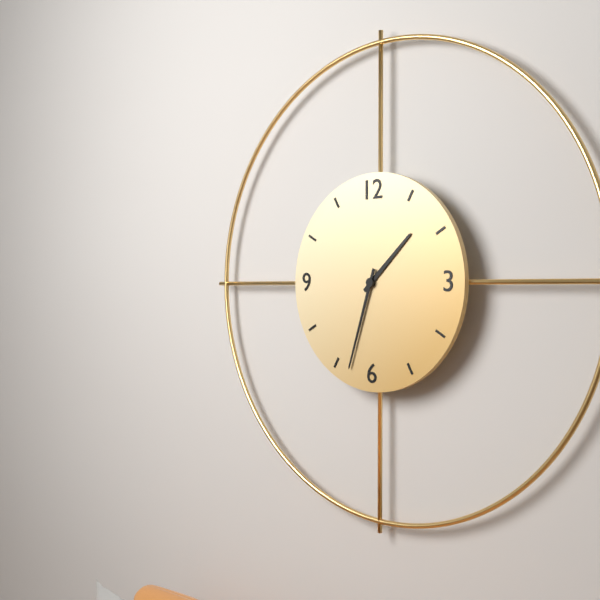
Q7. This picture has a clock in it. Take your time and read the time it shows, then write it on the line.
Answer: 1:33
